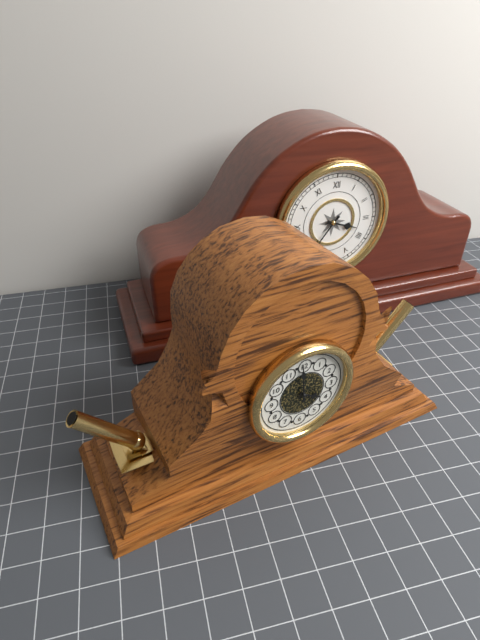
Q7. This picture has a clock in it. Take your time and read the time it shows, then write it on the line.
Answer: 3:59
